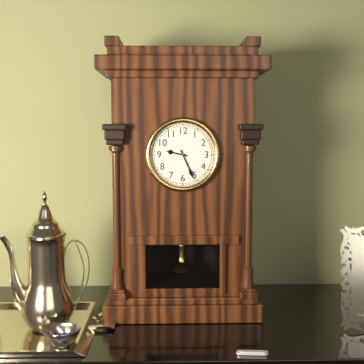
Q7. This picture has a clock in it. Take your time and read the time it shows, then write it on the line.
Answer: 9:26
